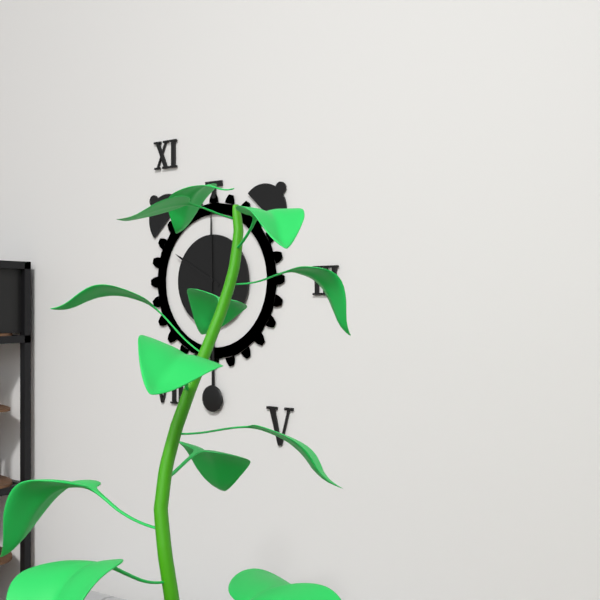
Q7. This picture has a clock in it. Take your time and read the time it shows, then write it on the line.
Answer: 10:00
